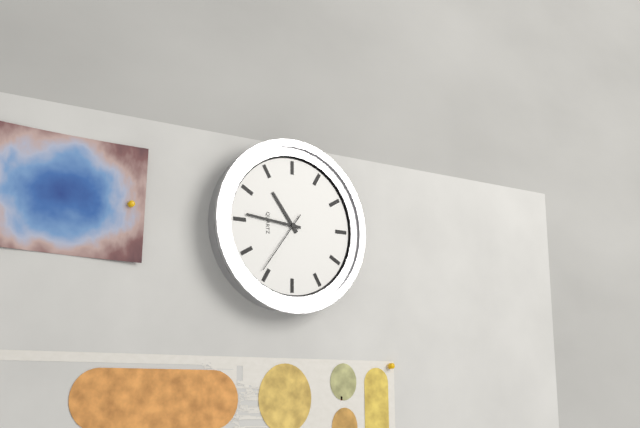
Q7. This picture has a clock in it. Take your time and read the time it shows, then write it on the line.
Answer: 10:46:36
